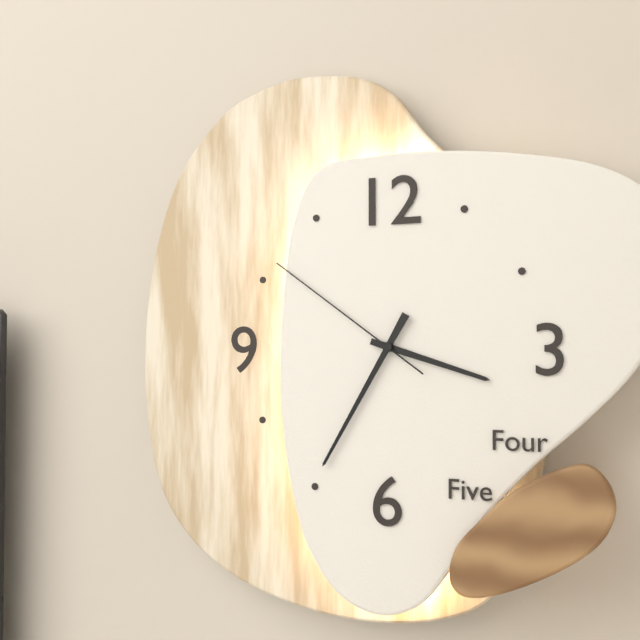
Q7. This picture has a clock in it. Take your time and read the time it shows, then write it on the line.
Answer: 3:35:51
